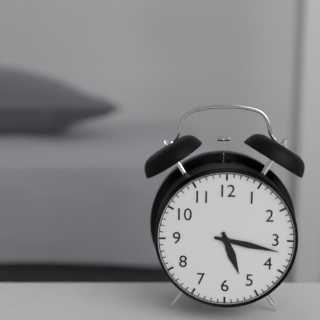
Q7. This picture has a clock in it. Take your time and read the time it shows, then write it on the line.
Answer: 5:17
